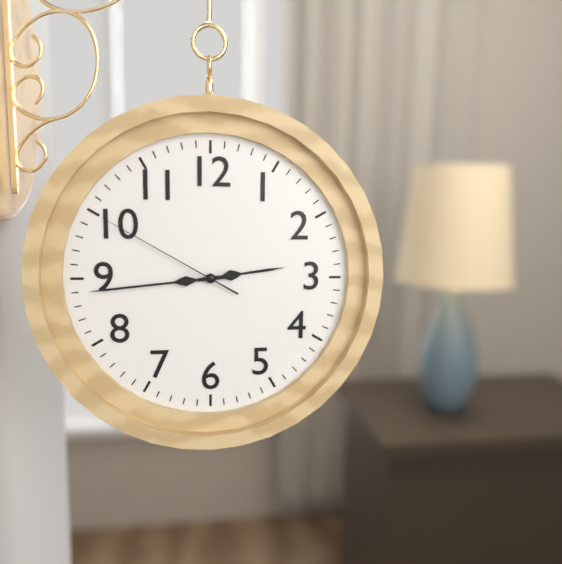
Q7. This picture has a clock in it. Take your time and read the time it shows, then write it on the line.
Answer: 2:44:50
